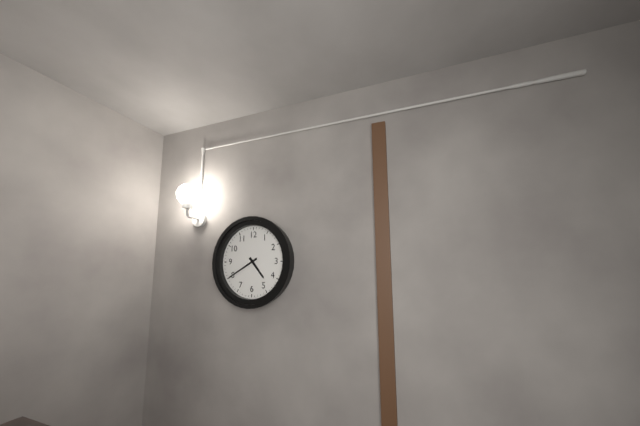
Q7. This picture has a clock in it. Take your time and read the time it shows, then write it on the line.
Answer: 4:40
